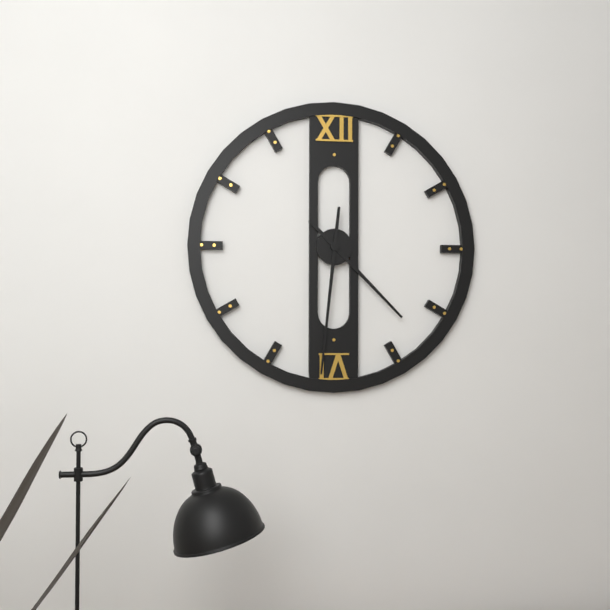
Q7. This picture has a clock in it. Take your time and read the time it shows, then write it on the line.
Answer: 4:31
